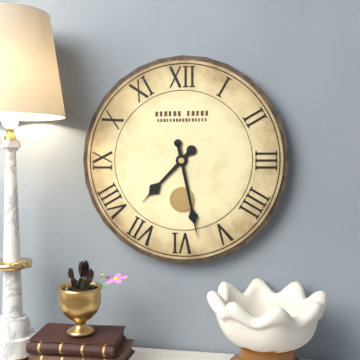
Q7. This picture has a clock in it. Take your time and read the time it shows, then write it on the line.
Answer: 7:28
